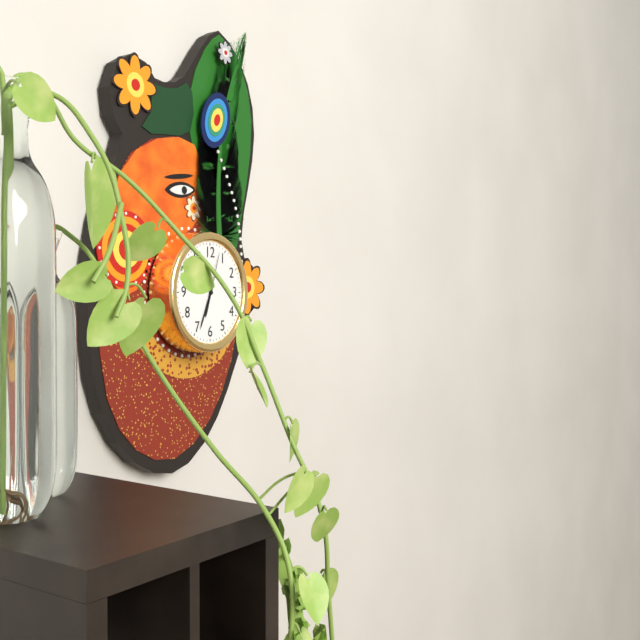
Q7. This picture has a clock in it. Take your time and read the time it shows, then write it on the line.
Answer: 6:34:03
